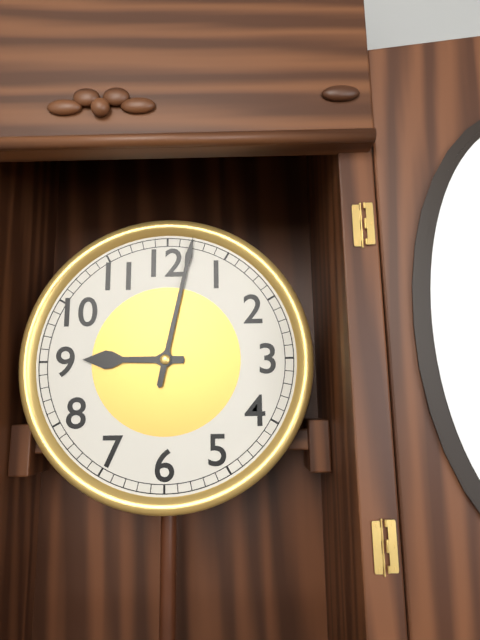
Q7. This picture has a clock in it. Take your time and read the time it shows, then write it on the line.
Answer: 9:02
